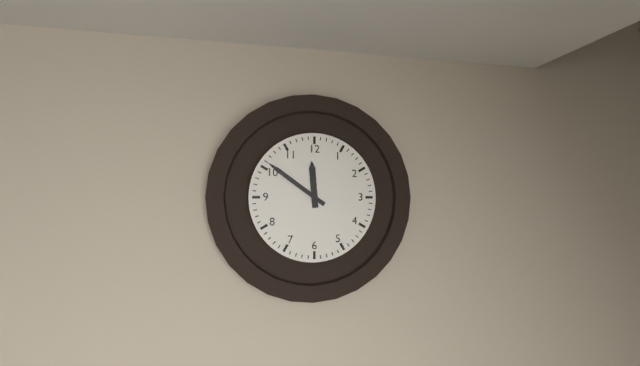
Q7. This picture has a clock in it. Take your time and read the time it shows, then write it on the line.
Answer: 11:51
